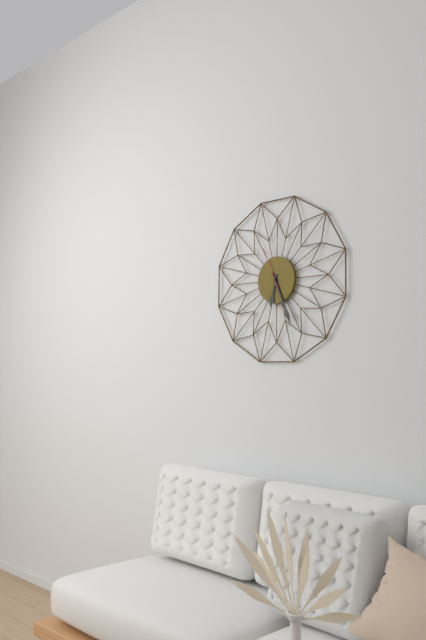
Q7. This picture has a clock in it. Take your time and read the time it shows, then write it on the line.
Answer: 6:26
